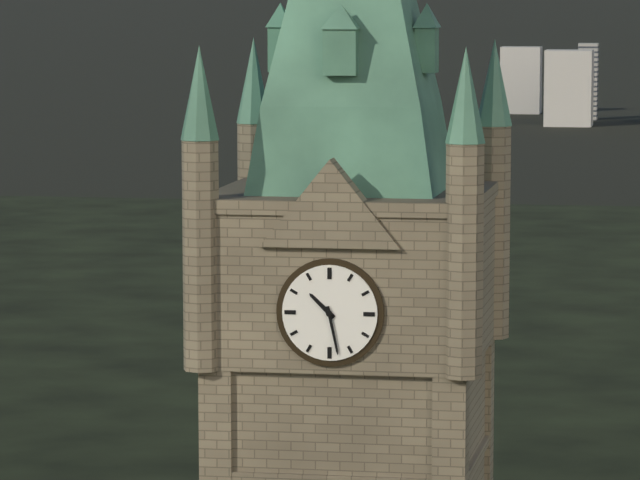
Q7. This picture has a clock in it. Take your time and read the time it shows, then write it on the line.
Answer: 10:28
